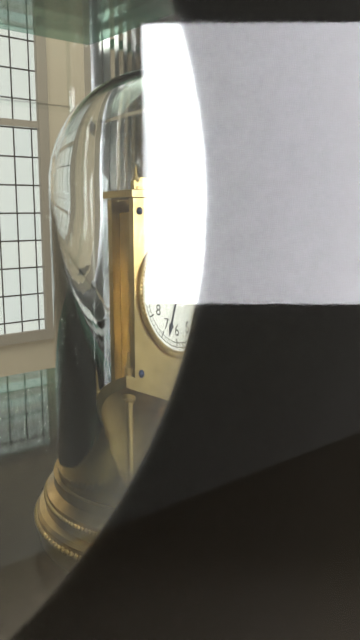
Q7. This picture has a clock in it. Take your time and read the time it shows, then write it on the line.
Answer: 9:33
